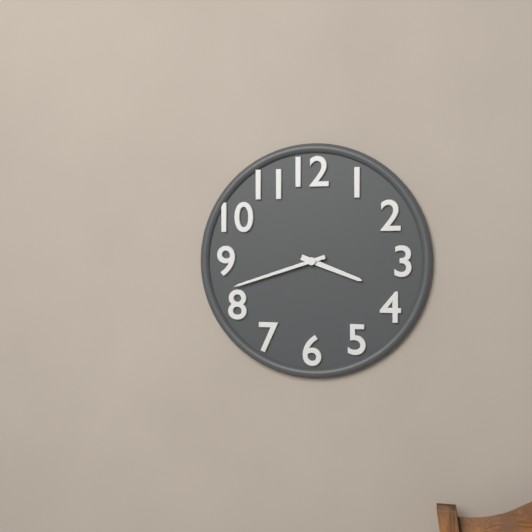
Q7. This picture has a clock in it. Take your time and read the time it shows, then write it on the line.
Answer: 3:42
